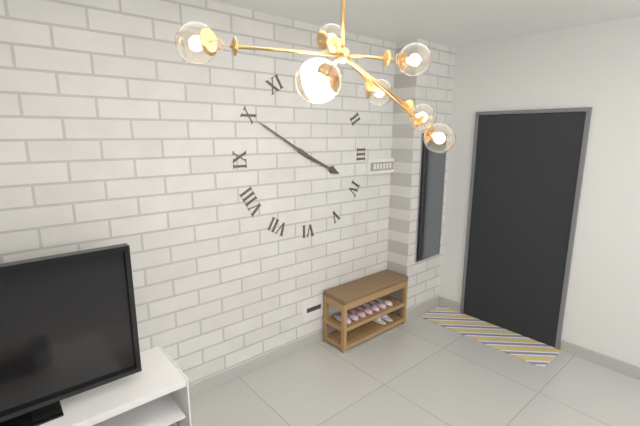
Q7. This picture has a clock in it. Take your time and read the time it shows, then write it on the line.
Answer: 3:50
